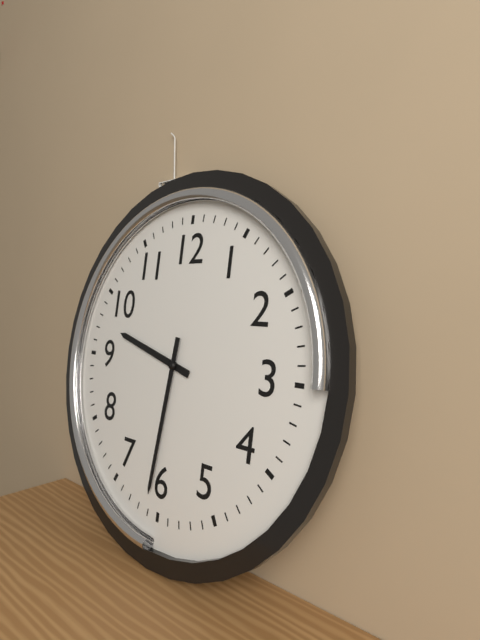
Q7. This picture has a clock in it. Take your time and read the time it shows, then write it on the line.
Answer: 9:31
